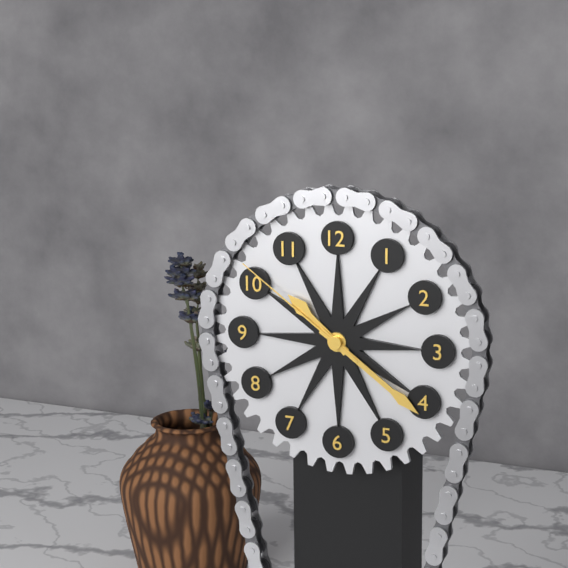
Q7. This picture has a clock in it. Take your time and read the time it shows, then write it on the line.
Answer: 10:21:51
